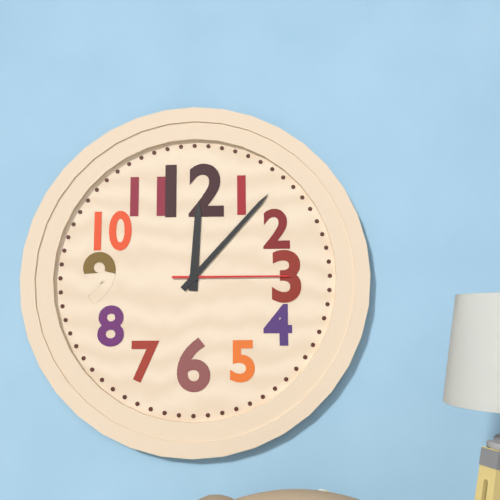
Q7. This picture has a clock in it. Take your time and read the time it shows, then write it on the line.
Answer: 12:07:15
